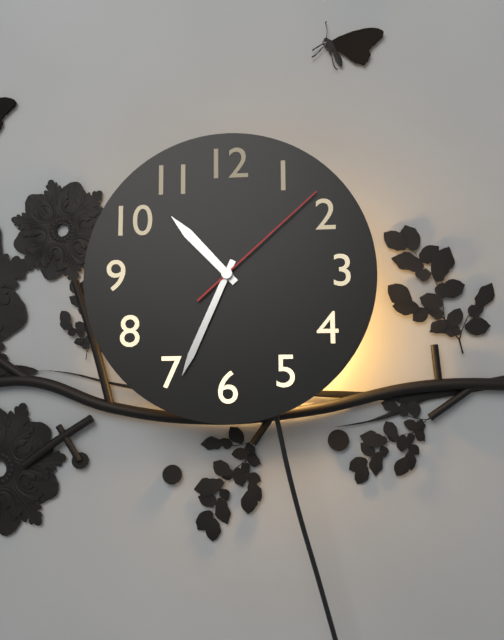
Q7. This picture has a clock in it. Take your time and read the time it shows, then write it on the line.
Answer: 10:34:08
